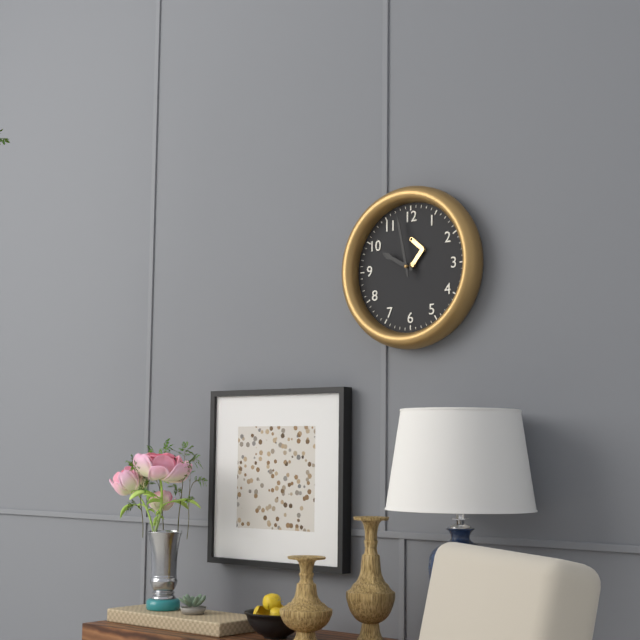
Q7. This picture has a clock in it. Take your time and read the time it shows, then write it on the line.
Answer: 9:58
